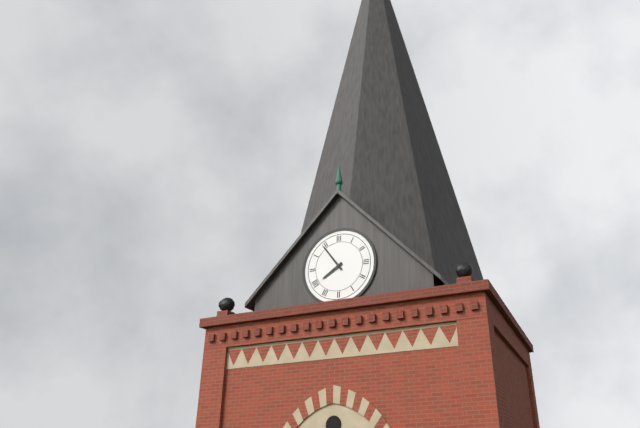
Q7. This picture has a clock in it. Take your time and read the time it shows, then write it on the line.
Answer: 7:54
